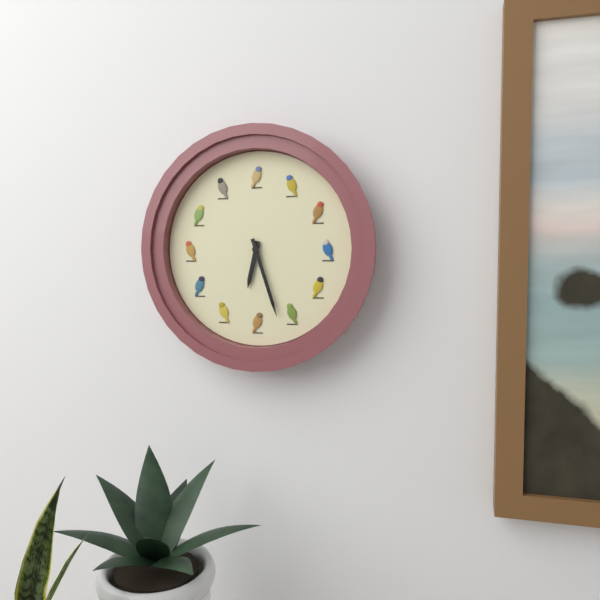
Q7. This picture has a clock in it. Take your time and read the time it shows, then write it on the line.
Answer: 6:27
